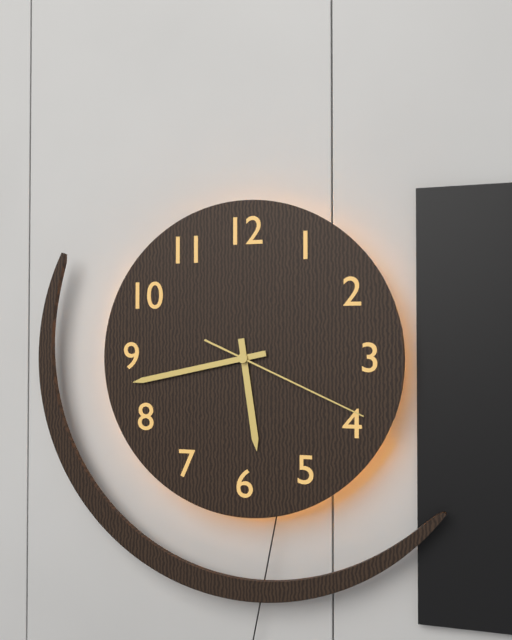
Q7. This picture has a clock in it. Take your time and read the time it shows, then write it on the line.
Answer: 5:43:19
